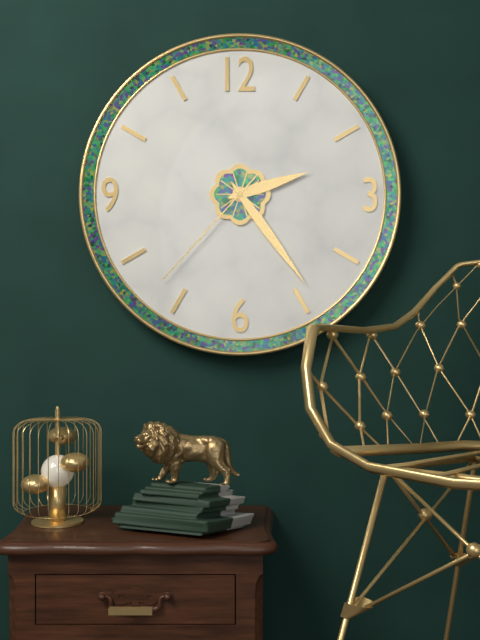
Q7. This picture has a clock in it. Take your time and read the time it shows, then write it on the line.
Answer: 2:24:37
